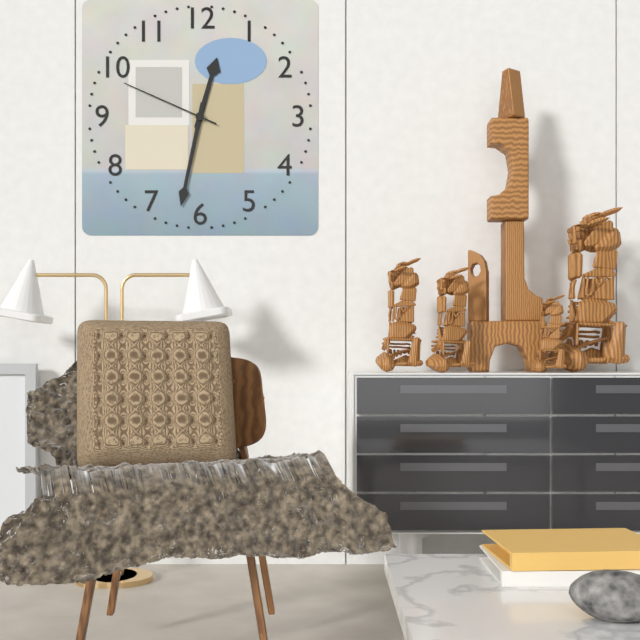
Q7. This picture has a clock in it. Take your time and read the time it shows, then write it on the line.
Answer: 12:32:49
